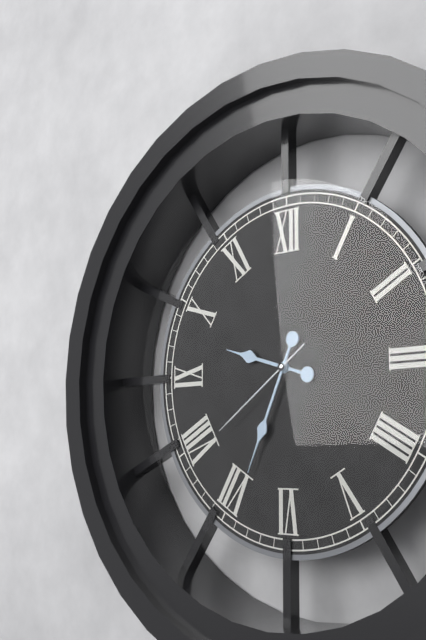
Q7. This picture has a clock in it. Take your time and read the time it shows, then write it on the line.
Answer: 9:34:39
